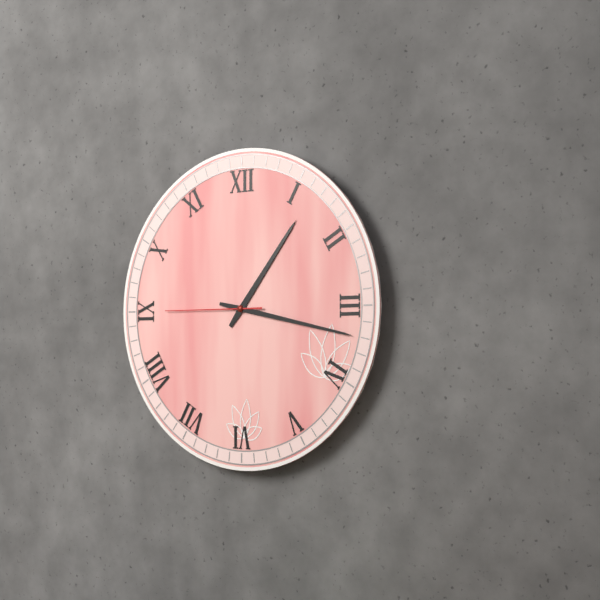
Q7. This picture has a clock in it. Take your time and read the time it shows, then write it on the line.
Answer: 1:17:45
